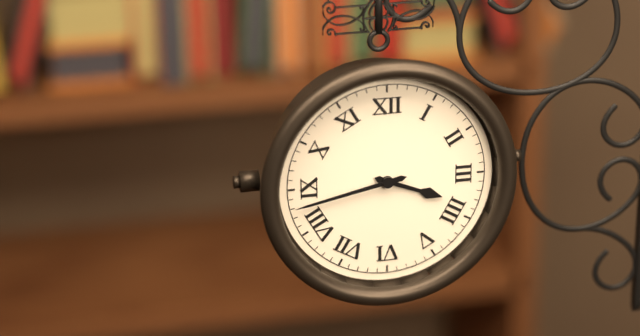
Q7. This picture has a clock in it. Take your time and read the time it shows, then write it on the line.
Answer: 3:43
